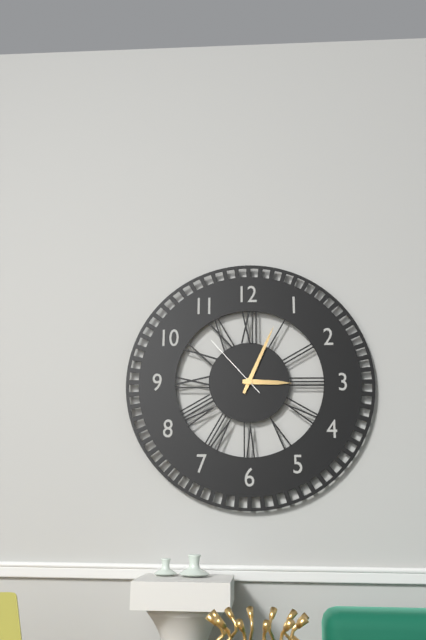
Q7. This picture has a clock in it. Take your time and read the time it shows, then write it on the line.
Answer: 3:04:53
